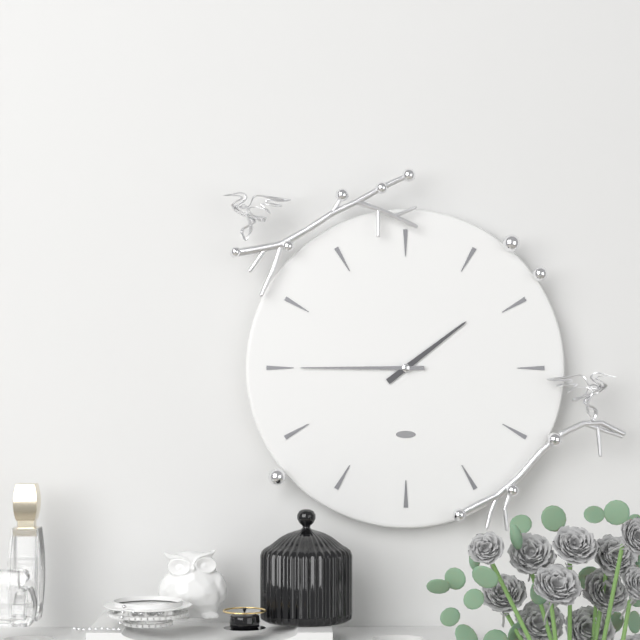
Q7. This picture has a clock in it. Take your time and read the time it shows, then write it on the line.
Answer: 1:45
